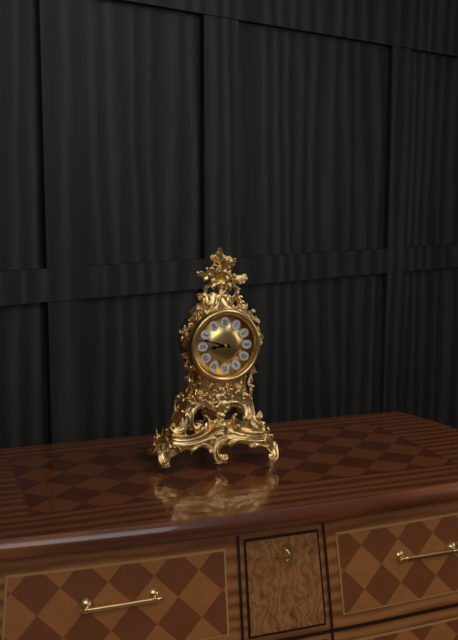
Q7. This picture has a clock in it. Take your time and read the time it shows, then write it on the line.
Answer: 8:48
